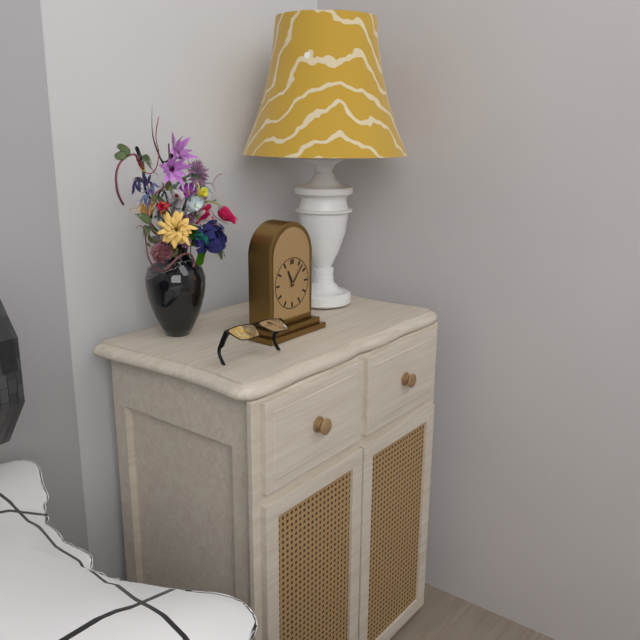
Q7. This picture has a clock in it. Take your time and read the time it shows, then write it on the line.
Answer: 11:07
